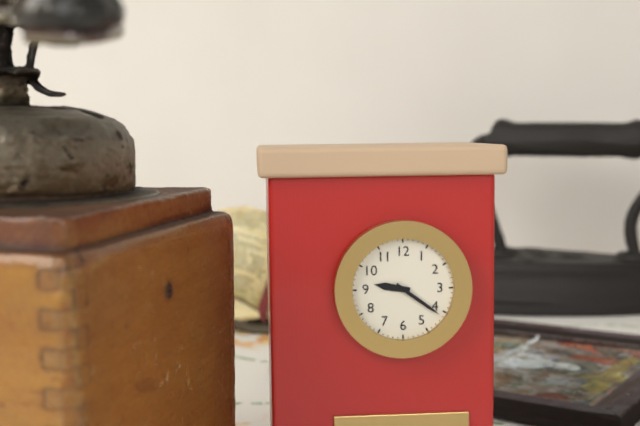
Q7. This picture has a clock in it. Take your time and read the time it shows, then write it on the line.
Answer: 9:21
